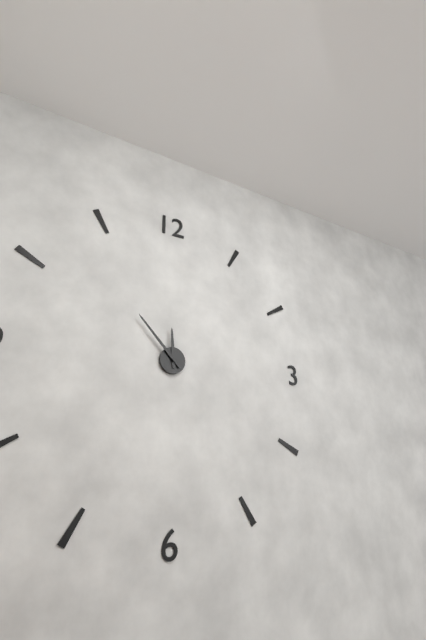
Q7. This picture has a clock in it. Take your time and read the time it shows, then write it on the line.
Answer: 11:53
